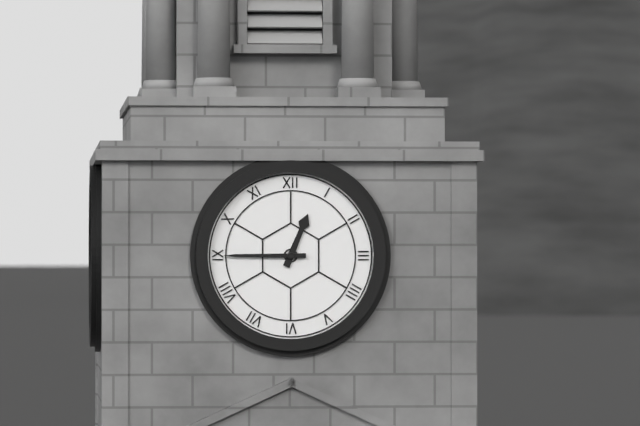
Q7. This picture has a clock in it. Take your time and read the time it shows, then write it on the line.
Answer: 12:45
